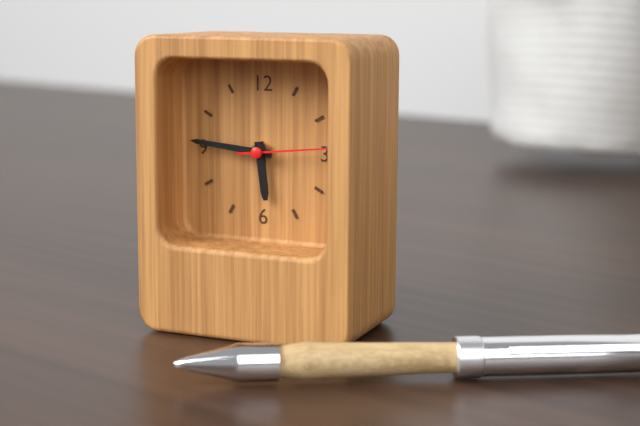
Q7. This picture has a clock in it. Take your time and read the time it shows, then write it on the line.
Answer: 5:46:14
